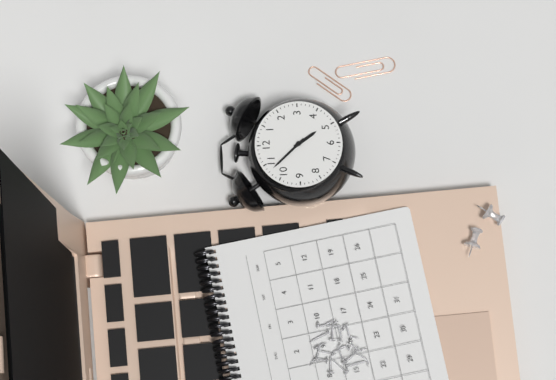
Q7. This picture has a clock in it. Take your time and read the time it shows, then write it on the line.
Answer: 4:53
